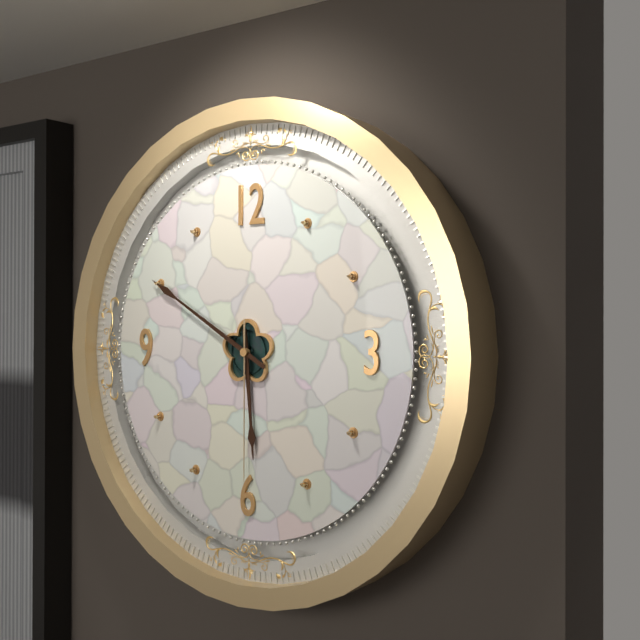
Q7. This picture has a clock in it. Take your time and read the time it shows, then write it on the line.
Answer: 5:50:30
